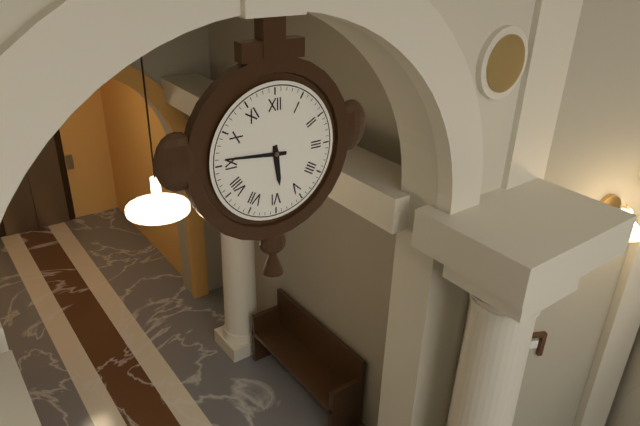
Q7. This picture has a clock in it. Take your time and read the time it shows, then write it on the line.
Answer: 5:46
